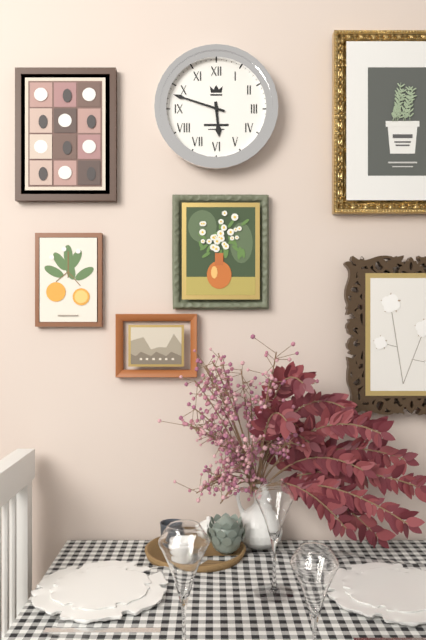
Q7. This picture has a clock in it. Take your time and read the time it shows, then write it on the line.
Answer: 5:48
